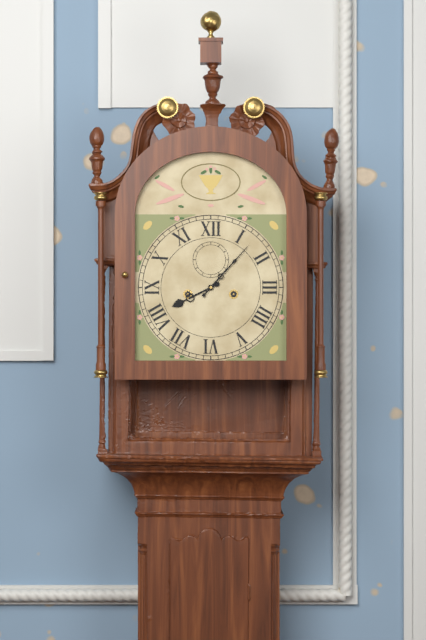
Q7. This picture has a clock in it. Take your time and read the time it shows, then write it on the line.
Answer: 8:07
